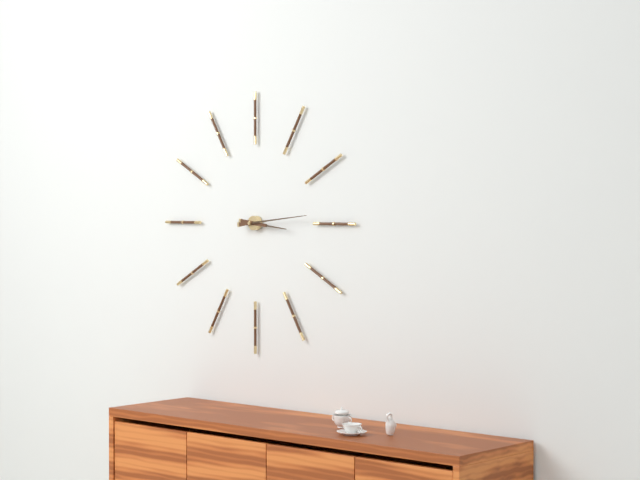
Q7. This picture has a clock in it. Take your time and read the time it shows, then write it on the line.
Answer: 3:14
